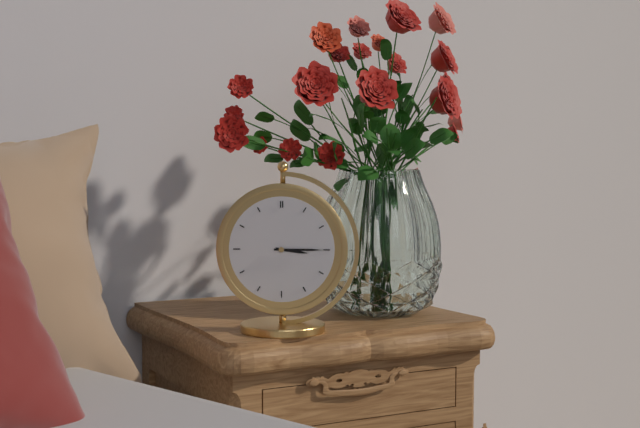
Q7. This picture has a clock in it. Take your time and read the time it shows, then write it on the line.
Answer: 3:15
